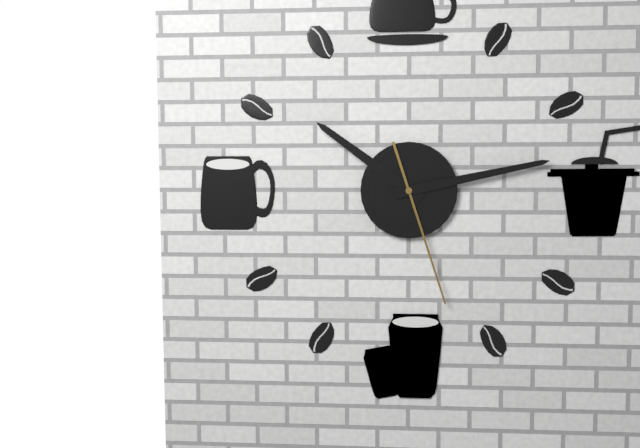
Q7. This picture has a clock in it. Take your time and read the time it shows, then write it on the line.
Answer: 10:13:27
